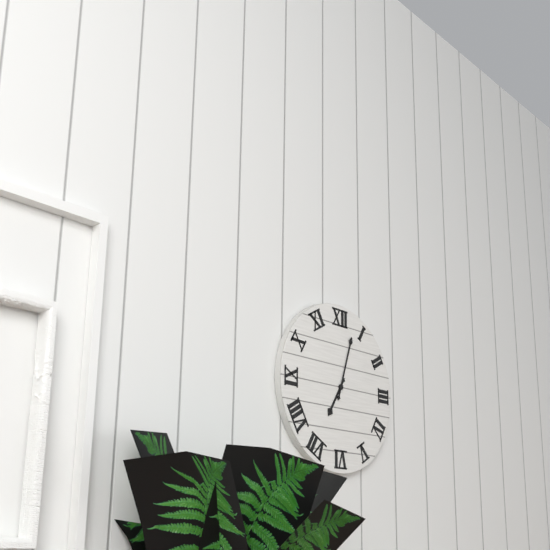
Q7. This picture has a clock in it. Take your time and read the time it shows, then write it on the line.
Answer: 7:03
